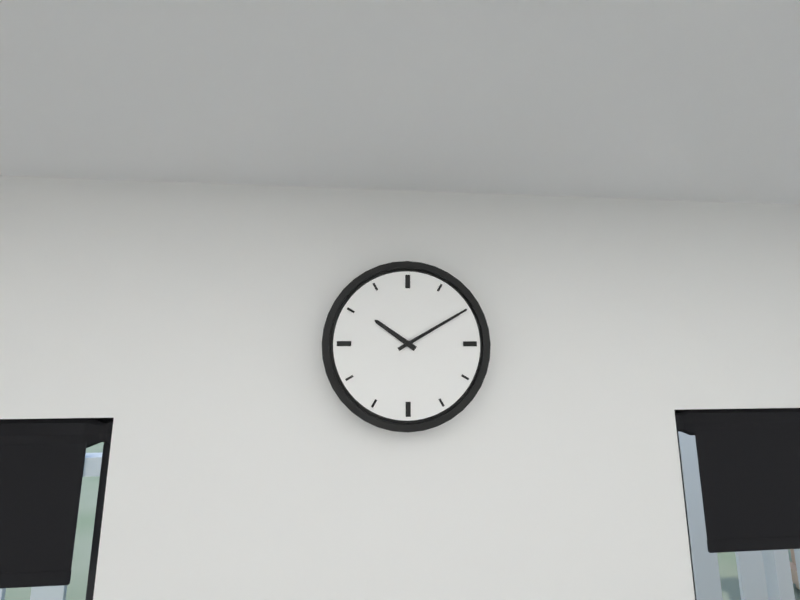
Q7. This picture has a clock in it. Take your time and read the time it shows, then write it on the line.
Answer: 10:10
